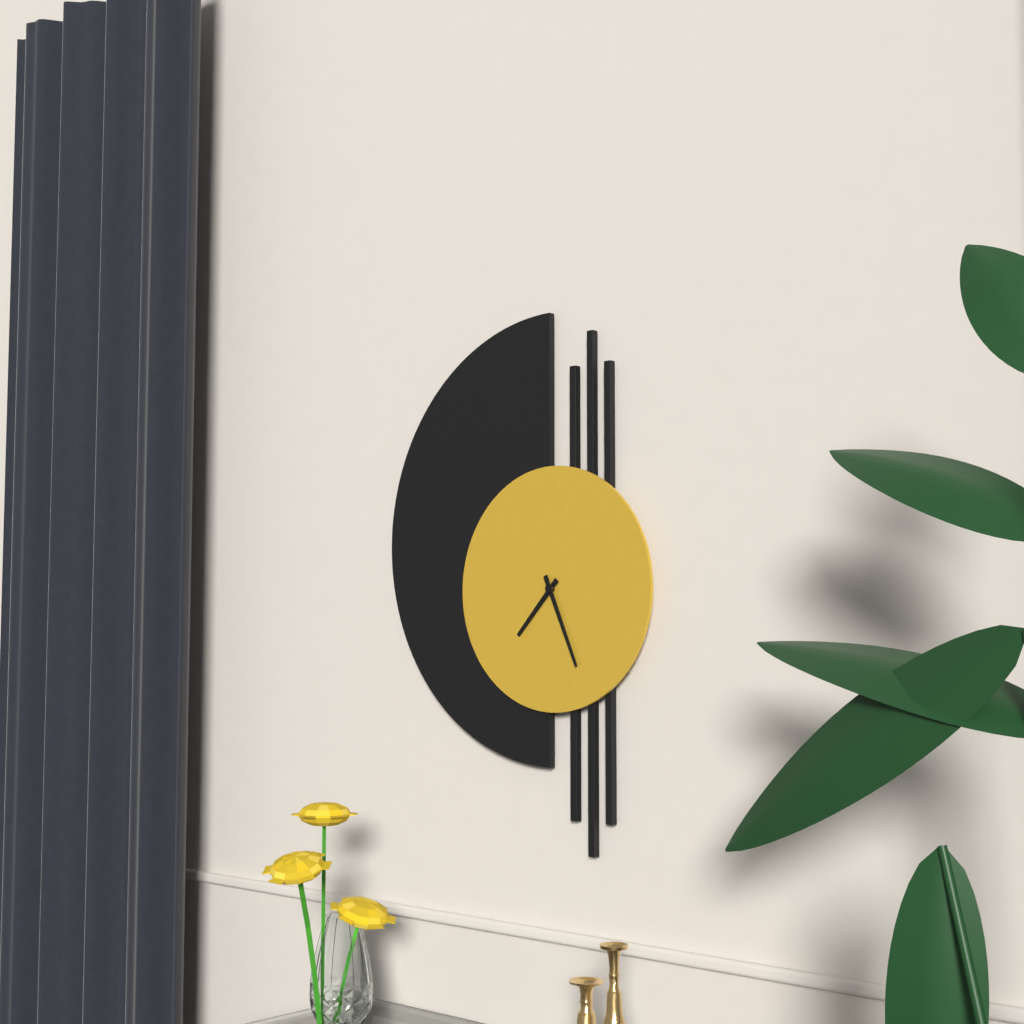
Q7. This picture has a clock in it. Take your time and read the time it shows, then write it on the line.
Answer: 7:26
